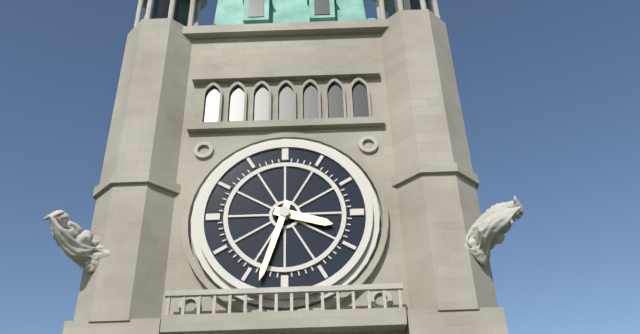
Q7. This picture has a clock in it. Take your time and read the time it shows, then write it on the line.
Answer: 3:33
